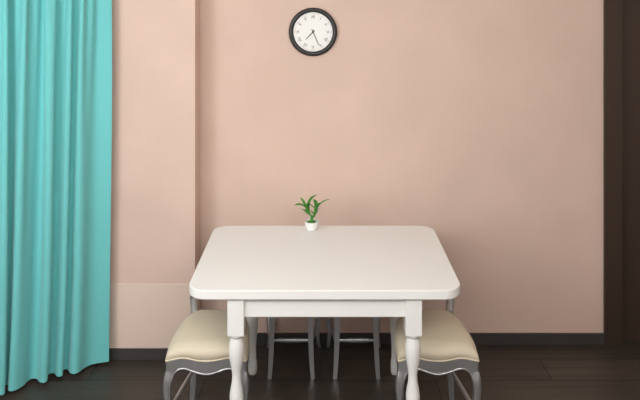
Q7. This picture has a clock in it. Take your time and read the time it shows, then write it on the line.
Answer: 7:26
